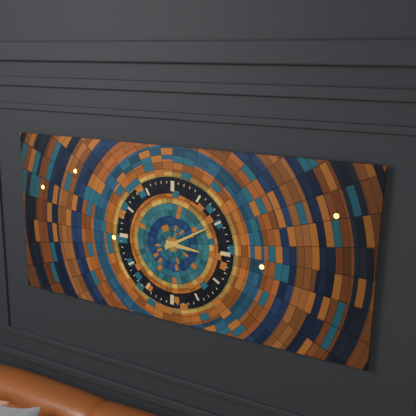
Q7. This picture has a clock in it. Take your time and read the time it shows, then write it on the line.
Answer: 3:10
